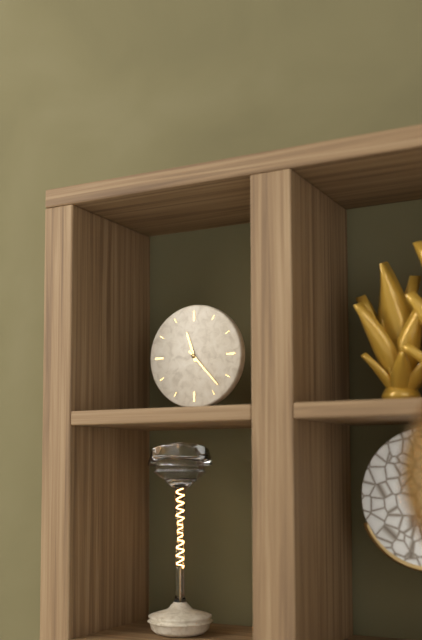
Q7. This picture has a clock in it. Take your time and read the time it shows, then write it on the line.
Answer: 11:23
